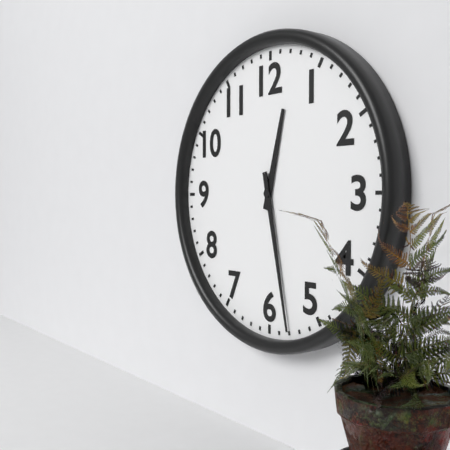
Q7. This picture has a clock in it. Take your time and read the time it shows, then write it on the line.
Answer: 12:28
